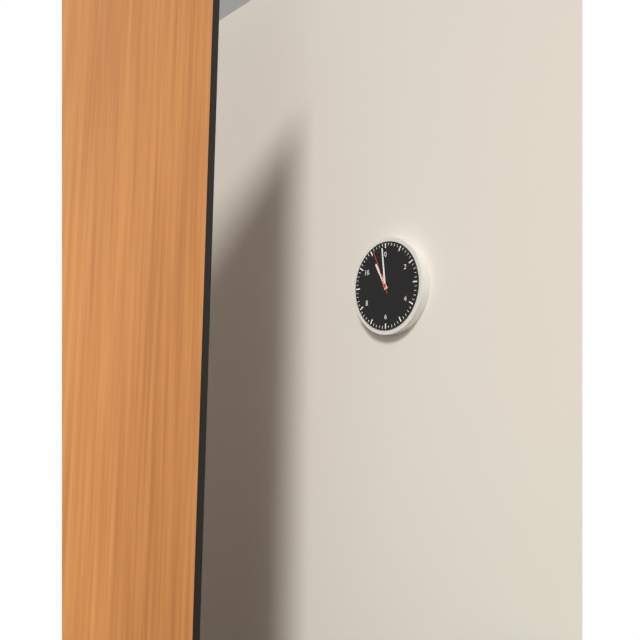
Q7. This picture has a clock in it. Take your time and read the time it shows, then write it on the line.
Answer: 10:59
